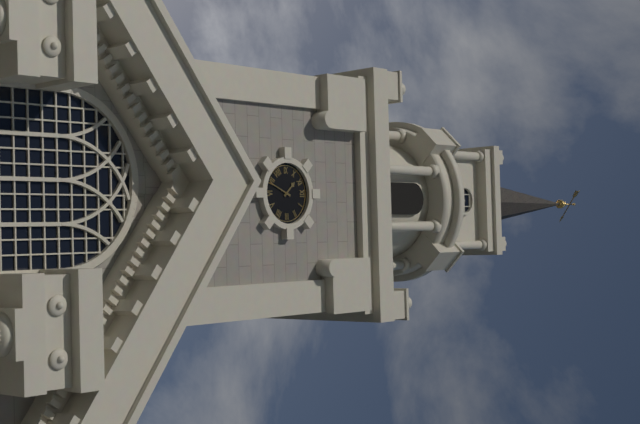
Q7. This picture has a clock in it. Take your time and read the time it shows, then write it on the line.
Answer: 10:34
